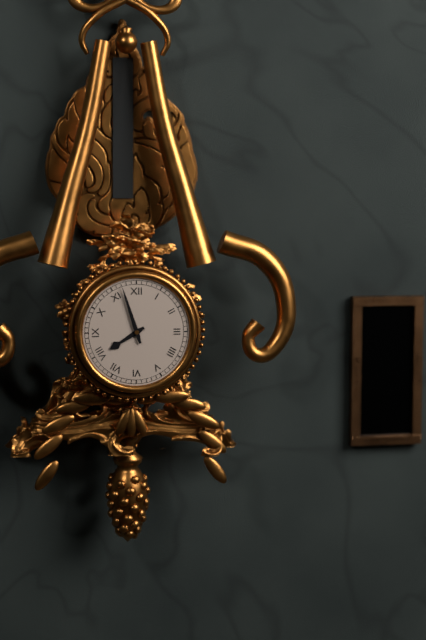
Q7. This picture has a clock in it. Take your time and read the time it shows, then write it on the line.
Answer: 7:57
